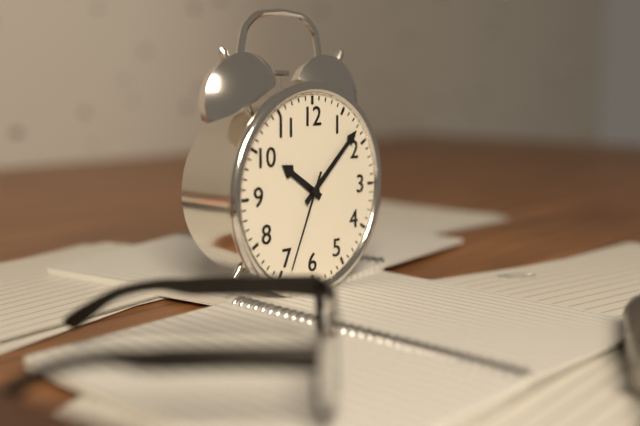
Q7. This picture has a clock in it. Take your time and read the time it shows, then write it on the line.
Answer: 10:08:34
